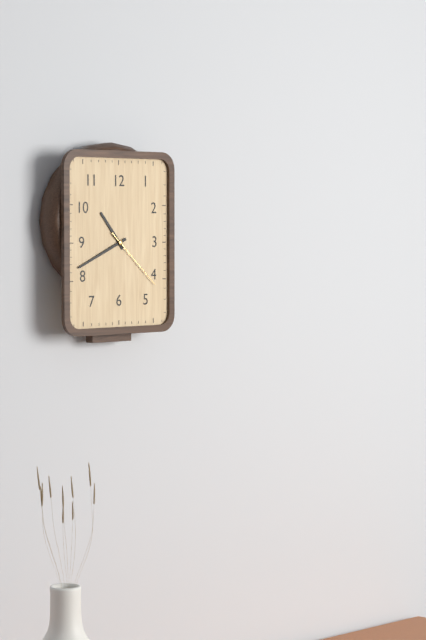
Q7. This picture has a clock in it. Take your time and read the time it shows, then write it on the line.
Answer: 10:41:22
